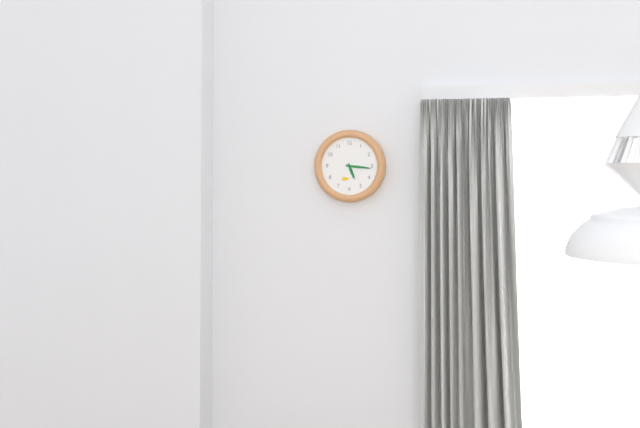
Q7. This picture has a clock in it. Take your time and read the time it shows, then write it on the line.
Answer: 5:16
